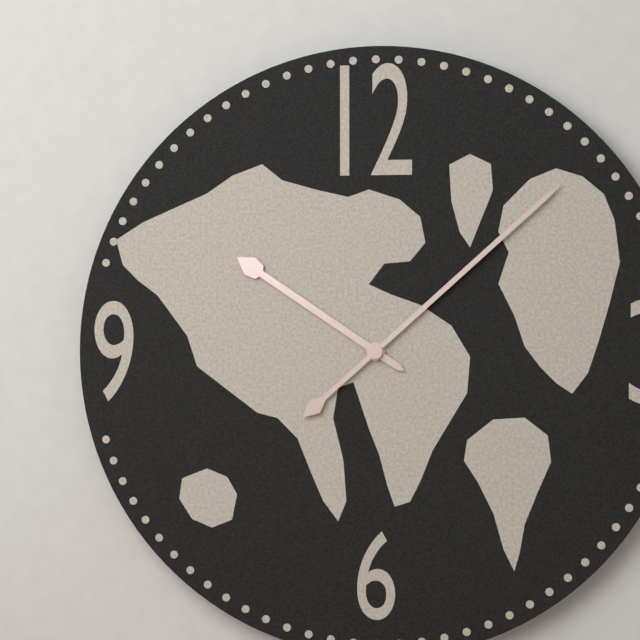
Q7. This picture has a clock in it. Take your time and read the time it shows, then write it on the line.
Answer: 10:08
